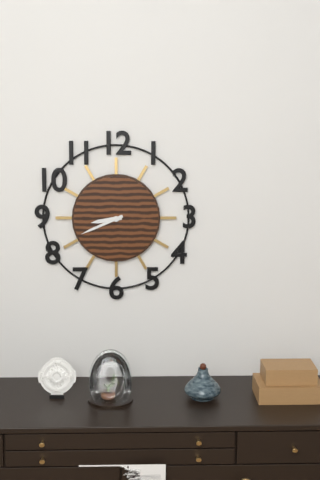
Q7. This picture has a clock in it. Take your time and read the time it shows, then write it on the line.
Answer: 8:41
